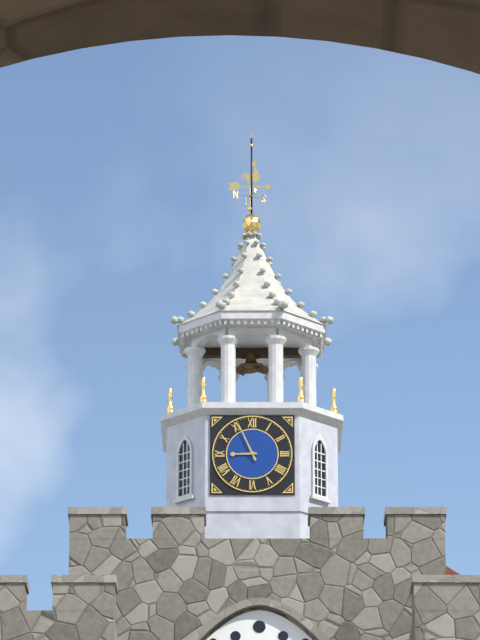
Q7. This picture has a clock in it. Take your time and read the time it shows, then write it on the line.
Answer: 8:56
